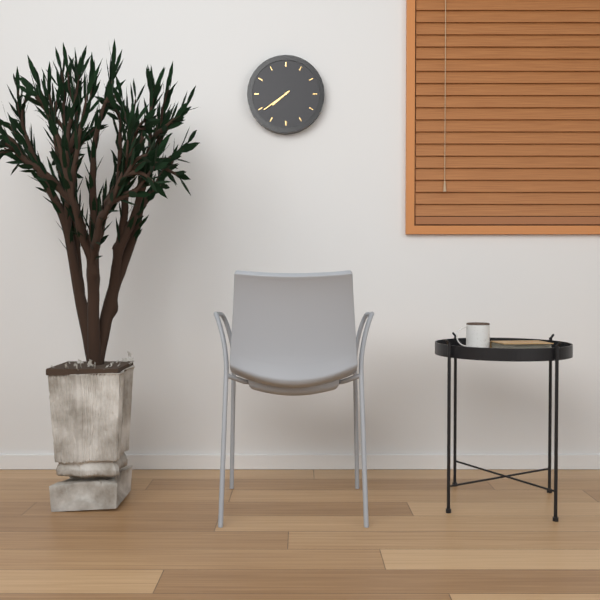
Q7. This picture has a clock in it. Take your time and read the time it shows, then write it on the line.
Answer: 7:39
